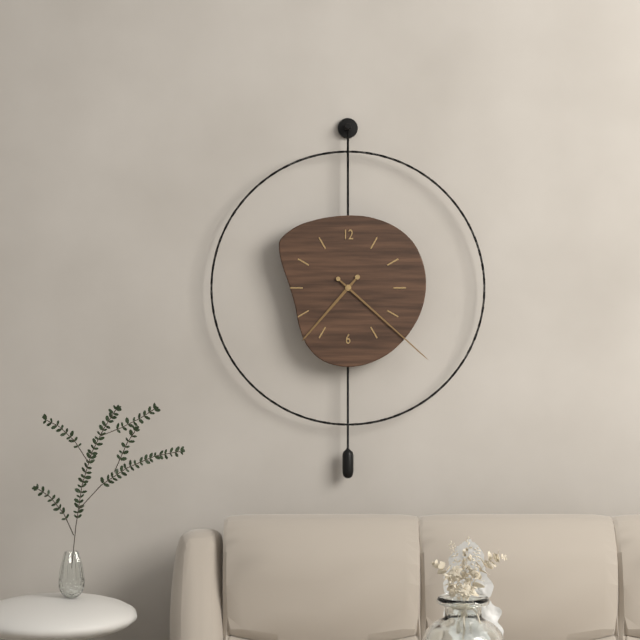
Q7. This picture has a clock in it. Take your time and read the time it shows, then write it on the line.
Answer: 7:22
